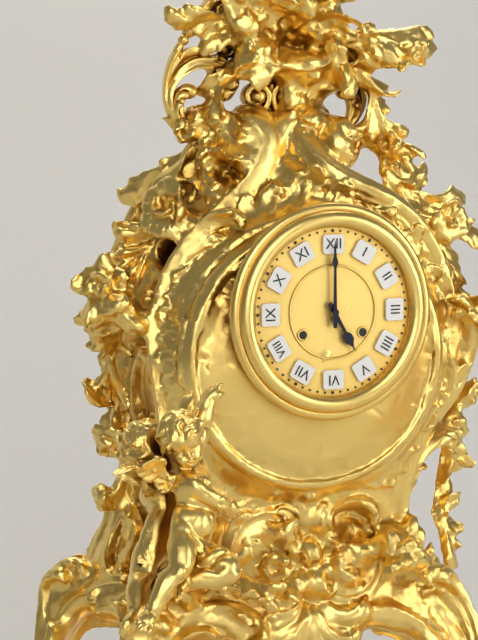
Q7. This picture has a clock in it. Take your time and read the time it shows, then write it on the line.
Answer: 5:00
